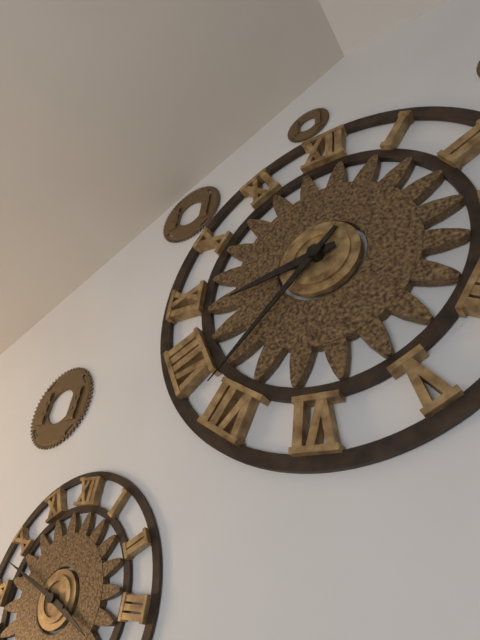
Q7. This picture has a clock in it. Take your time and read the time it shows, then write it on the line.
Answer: 8:37
